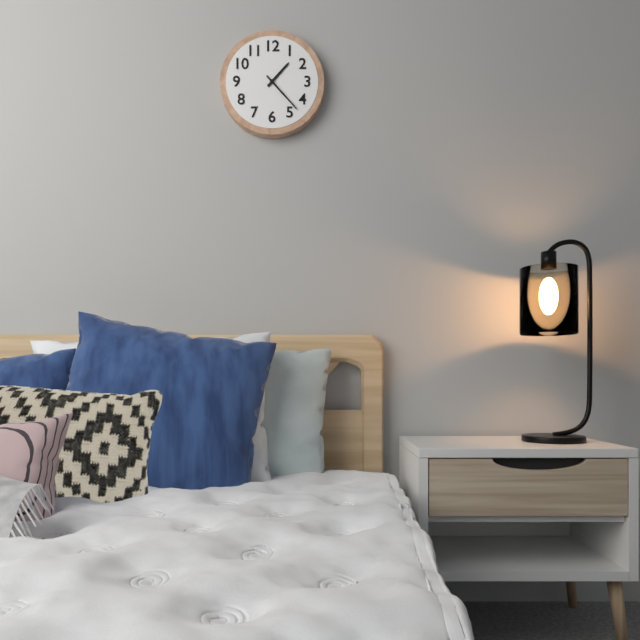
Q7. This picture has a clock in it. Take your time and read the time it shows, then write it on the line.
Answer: 1:23
